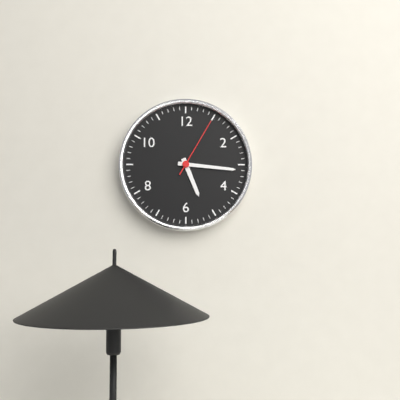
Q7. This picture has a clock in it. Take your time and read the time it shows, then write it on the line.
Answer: 5:16:05
